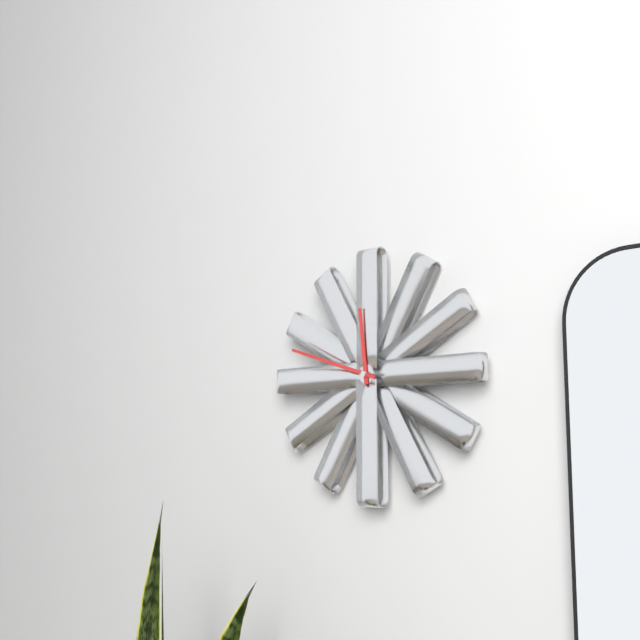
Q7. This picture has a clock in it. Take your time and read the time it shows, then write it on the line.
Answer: 11:48
